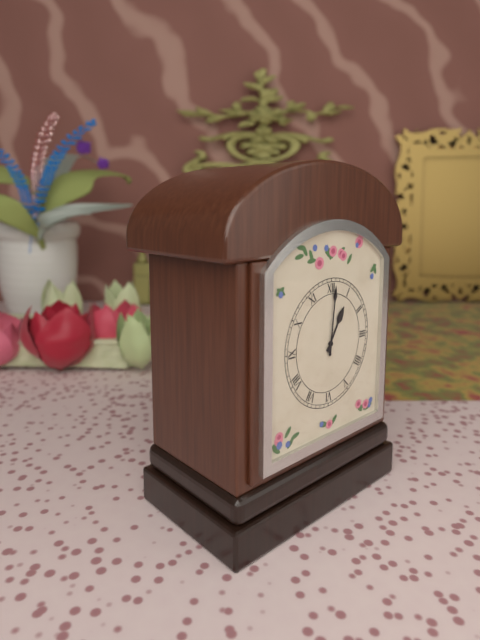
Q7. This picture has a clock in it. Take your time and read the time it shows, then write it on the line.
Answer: 1:01
